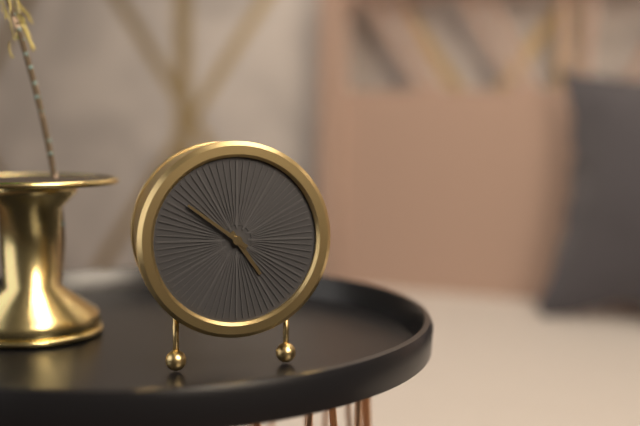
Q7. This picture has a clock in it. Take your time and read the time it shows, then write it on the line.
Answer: 4:51
